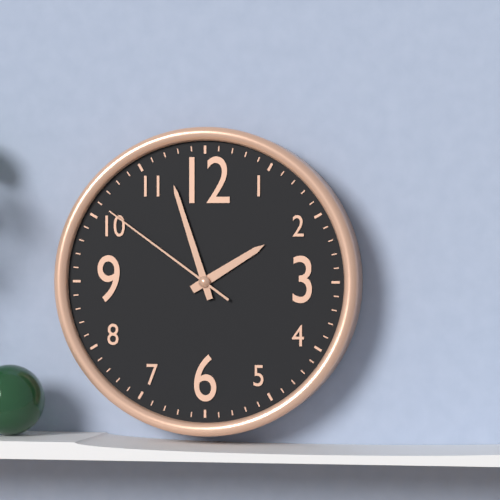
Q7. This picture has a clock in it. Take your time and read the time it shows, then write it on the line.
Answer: 1:57:51
